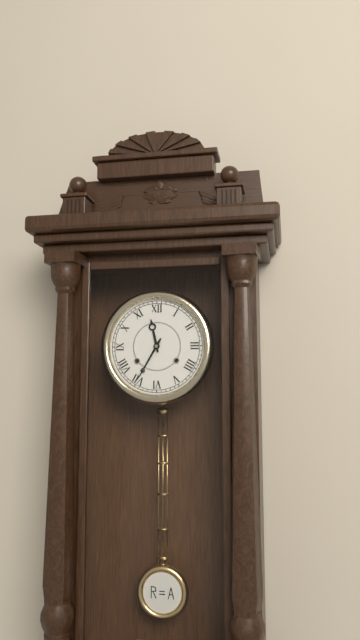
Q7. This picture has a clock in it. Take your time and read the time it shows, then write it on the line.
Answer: 11:35
